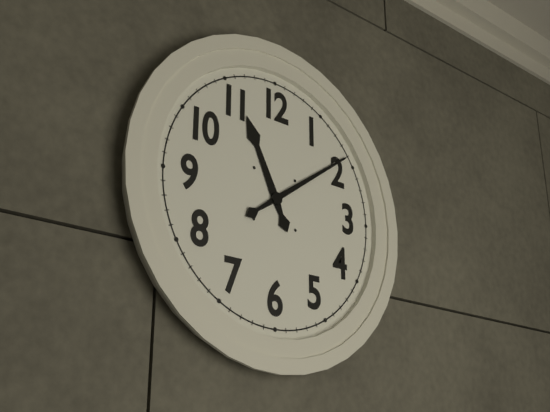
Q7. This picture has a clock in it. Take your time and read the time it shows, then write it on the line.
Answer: 11:09
